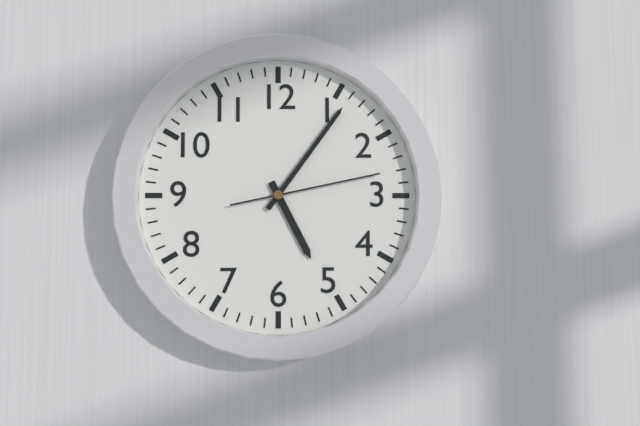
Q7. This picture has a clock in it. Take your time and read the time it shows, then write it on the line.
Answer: 5:06:13
